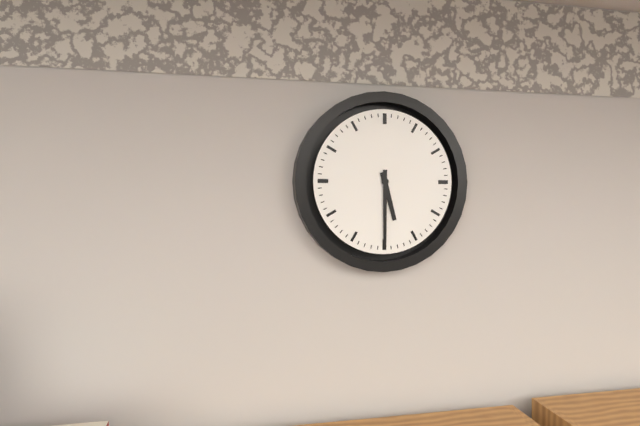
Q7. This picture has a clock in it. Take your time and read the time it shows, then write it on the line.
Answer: 5:30
